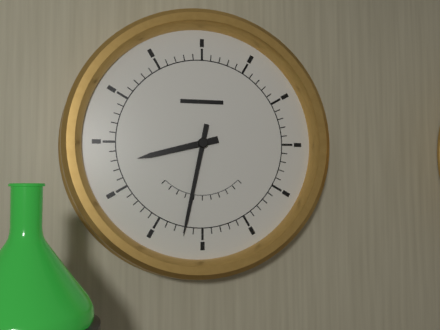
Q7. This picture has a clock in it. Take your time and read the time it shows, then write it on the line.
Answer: 8:32
